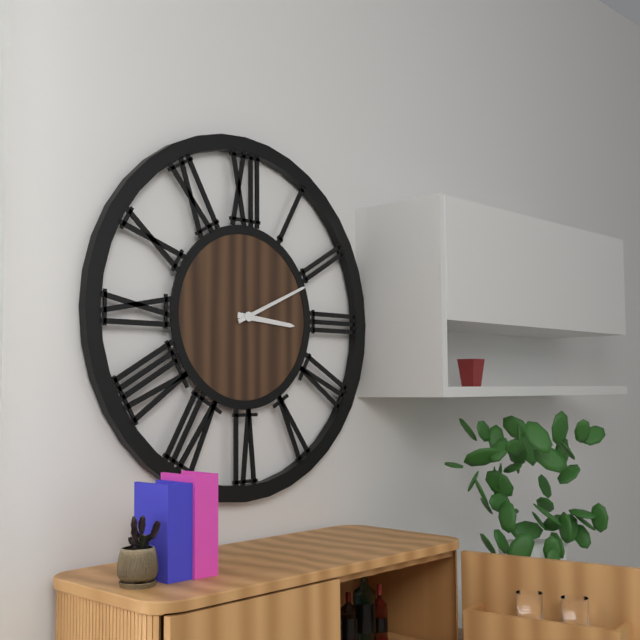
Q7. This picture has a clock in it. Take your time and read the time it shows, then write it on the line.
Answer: 3:11
